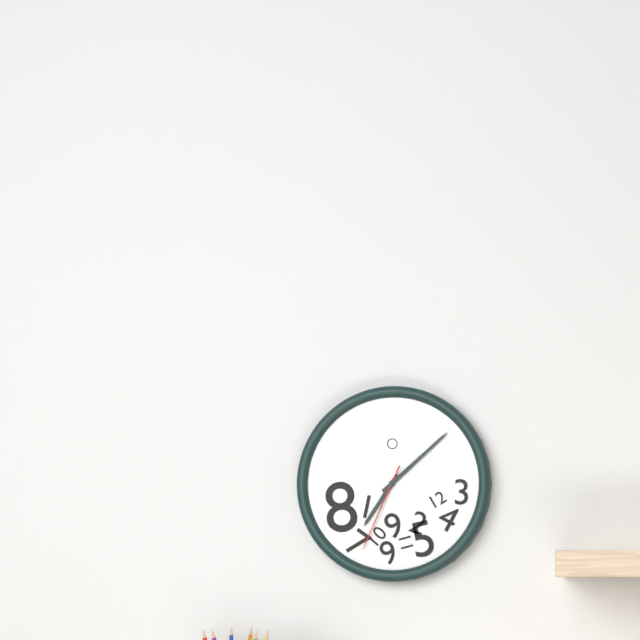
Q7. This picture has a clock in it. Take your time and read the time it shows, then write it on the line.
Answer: 7:08:34
